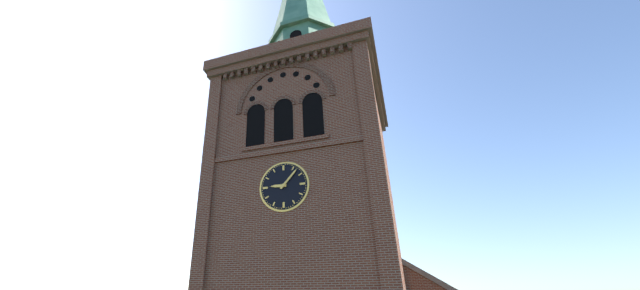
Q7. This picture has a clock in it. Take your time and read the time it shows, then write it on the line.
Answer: 9:07
